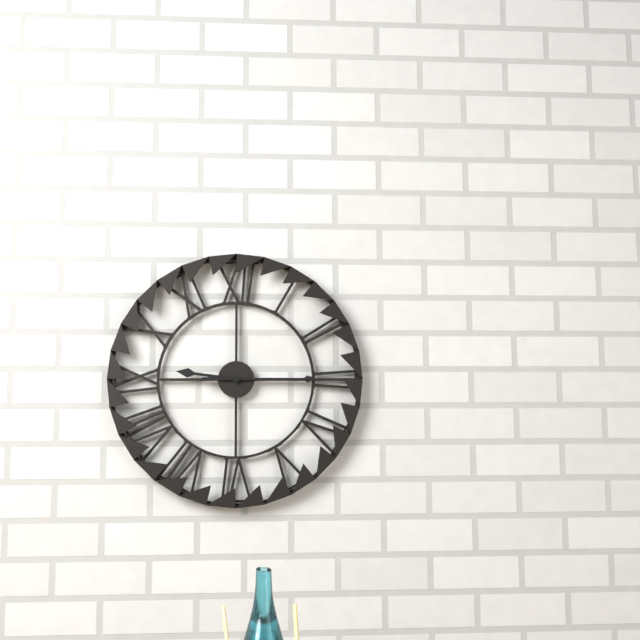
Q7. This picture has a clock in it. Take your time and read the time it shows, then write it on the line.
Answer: 9:15
